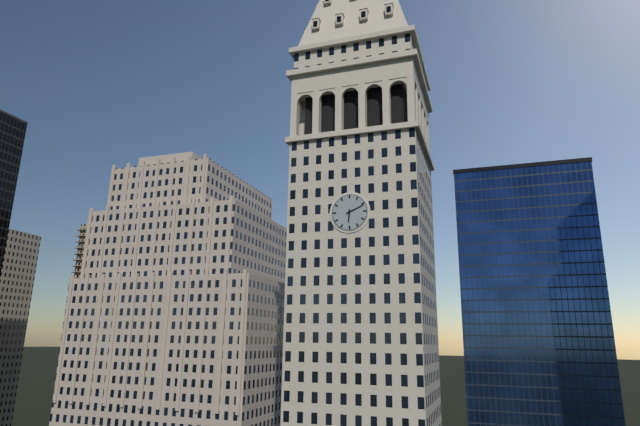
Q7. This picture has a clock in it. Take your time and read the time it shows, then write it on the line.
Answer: 6:11
